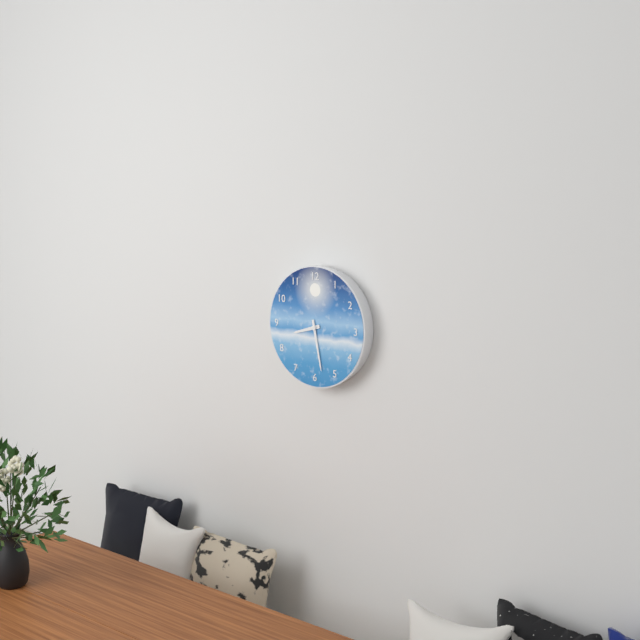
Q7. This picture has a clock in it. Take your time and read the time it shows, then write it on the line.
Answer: 8:28
